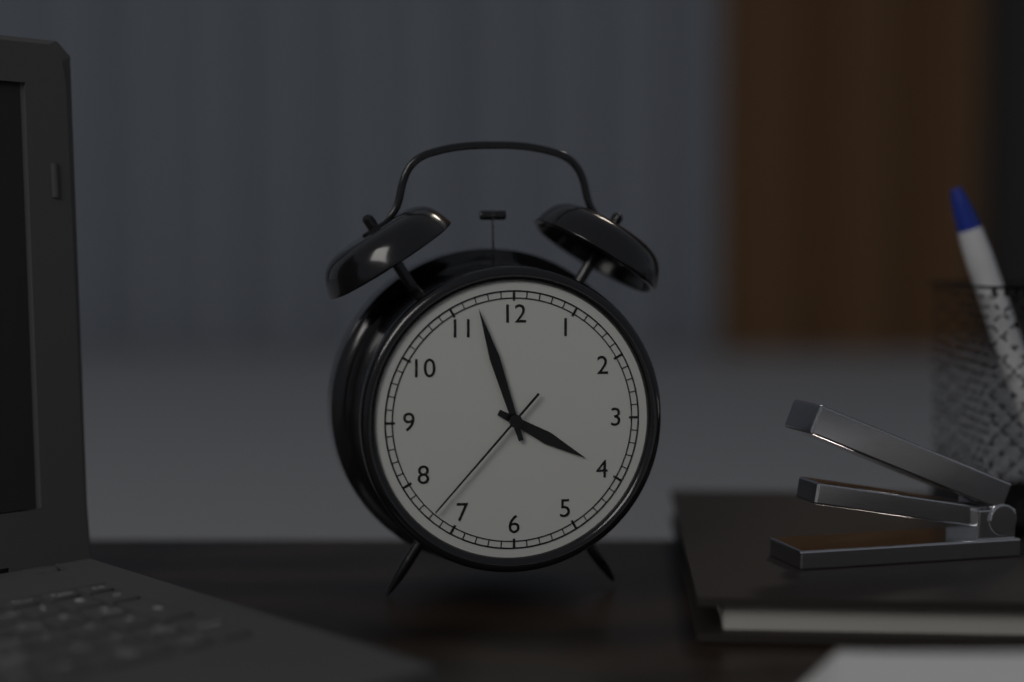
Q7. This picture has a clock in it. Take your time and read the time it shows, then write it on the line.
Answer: 3:57:37
